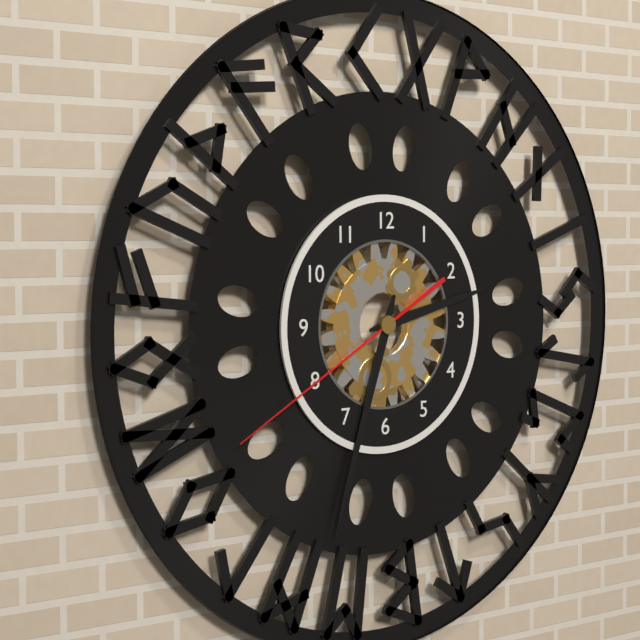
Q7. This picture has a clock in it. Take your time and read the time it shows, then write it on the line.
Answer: 2:33:40
